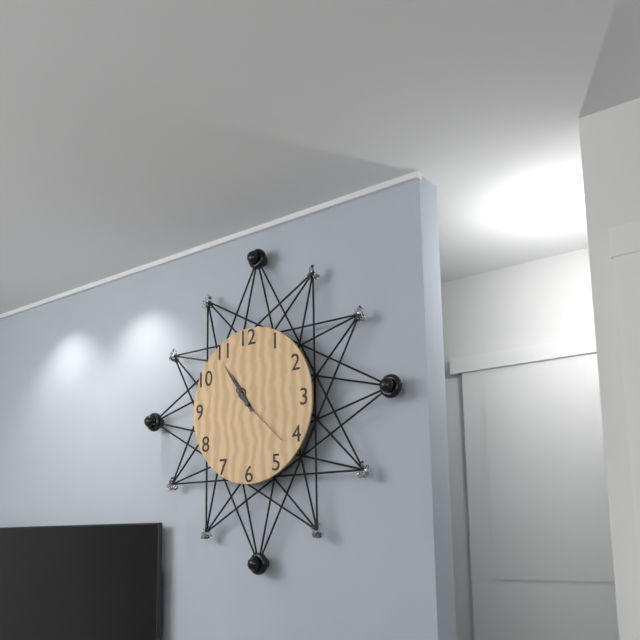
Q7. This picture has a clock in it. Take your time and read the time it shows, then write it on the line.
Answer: 10:54:22
